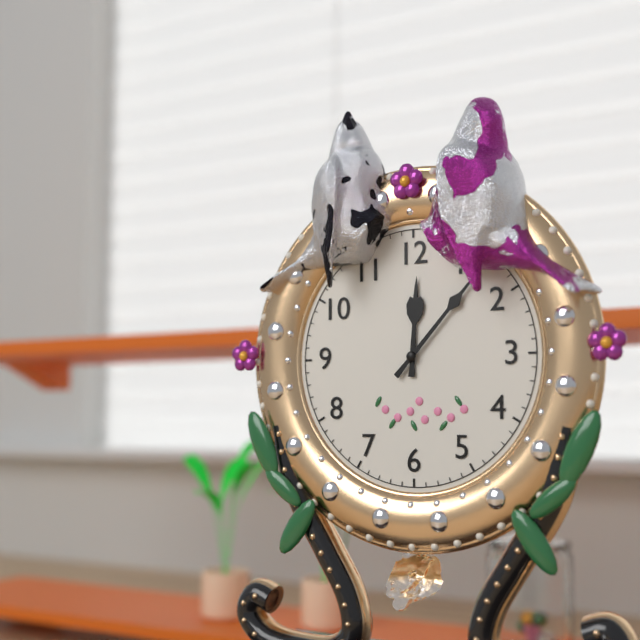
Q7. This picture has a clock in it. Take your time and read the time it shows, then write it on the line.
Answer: 12:07
